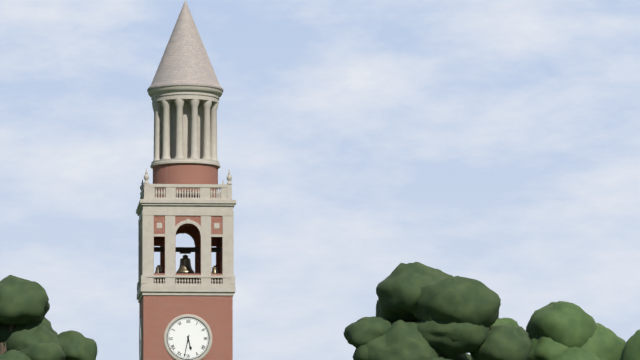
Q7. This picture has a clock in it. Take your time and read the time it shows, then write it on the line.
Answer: 5:32
